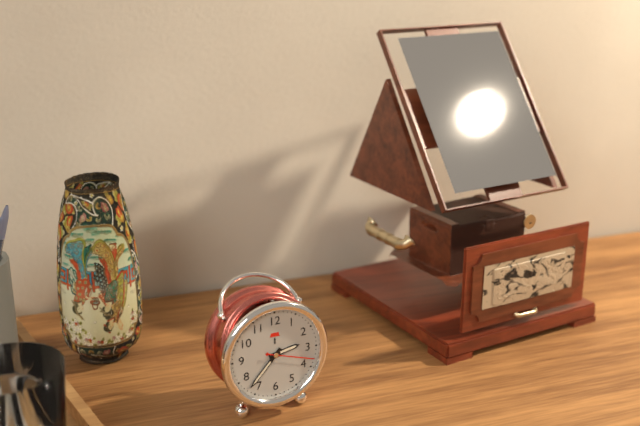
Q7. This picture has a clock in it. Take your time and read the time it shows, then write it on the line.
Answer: 2:37
